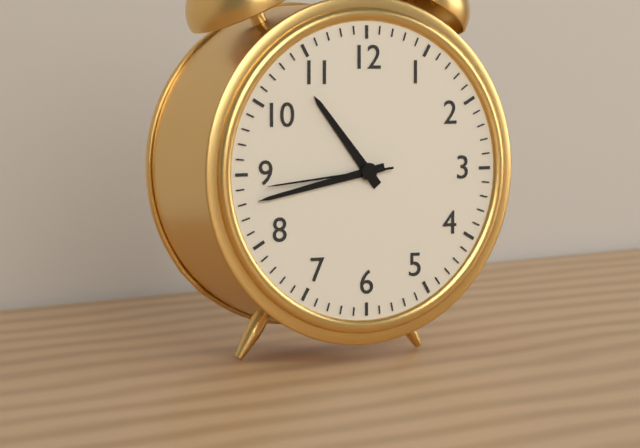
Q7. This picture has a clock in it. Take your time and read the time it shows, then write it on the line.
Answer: 10:43:44
